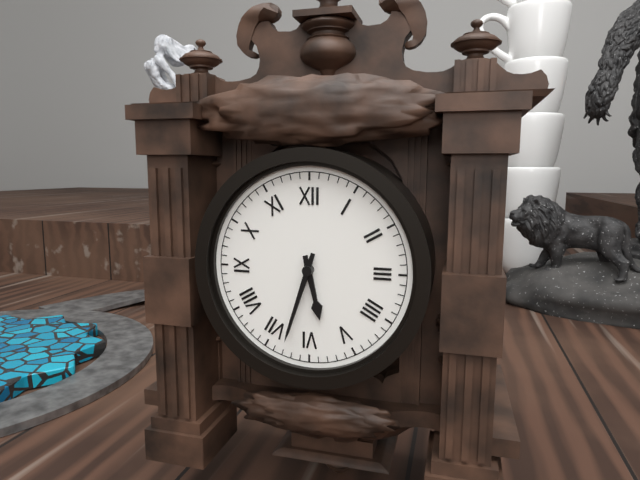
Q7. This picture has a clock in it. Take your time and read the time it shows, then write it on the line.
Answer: 5:33
